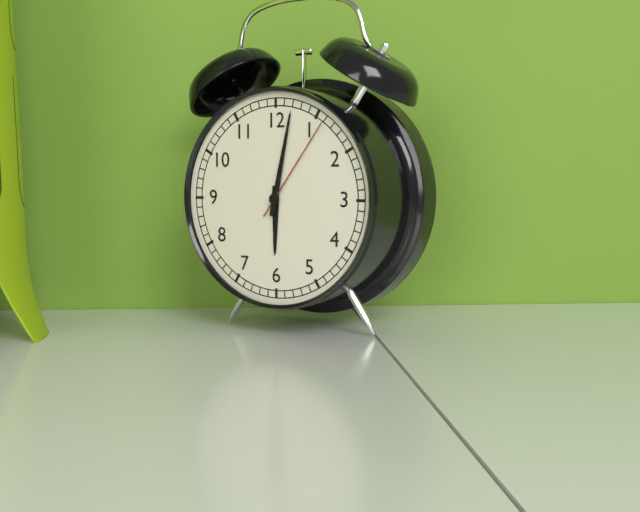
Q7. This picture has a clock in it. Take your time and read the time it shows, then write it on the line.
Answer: 6:02:06
